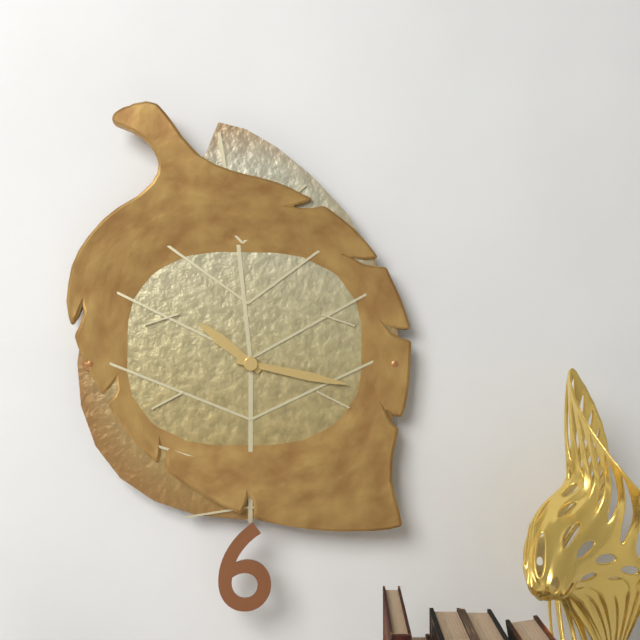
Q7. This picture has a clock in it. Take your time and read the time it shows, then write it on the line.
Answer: 10:17
